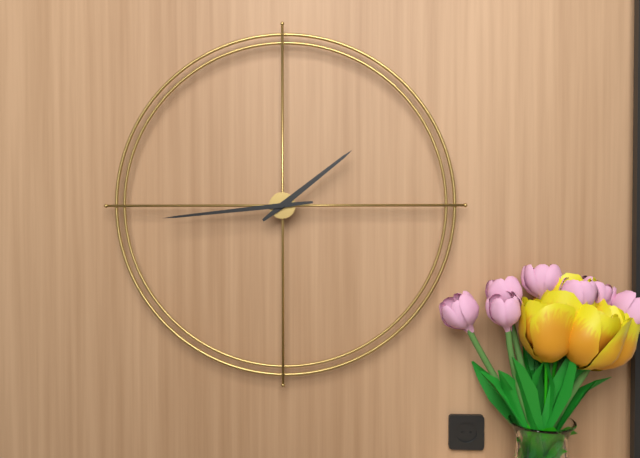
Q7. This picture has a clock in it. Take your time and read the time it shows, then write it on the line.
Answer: 1:44
